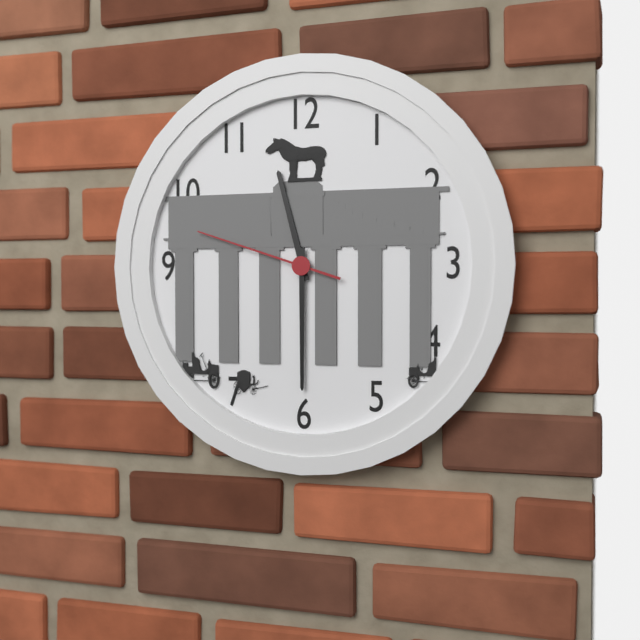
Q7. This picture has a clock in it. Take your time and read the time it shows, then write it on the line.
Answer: 11:30:48
